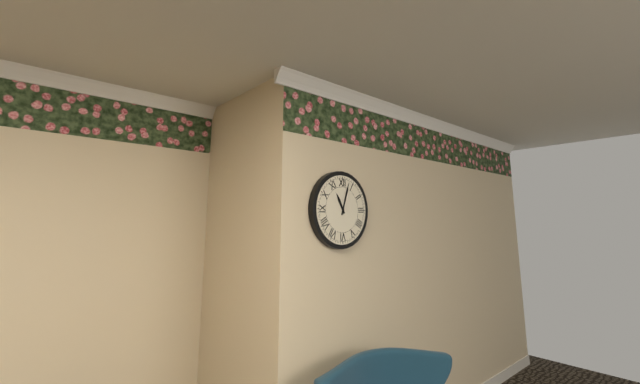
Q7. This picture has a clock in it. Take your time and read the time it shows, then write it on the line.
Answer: 11:03
